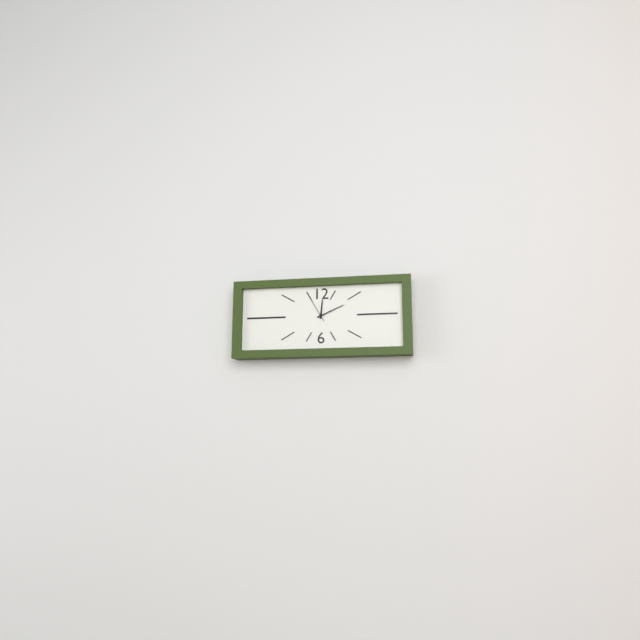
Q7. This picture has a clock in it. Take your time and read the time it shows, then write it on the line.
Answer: 12:11
